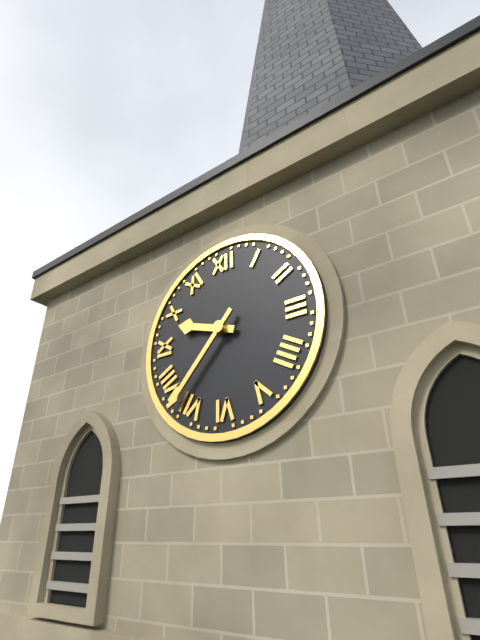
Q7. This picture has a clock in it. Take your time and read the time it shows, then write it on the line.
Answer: 9:37
